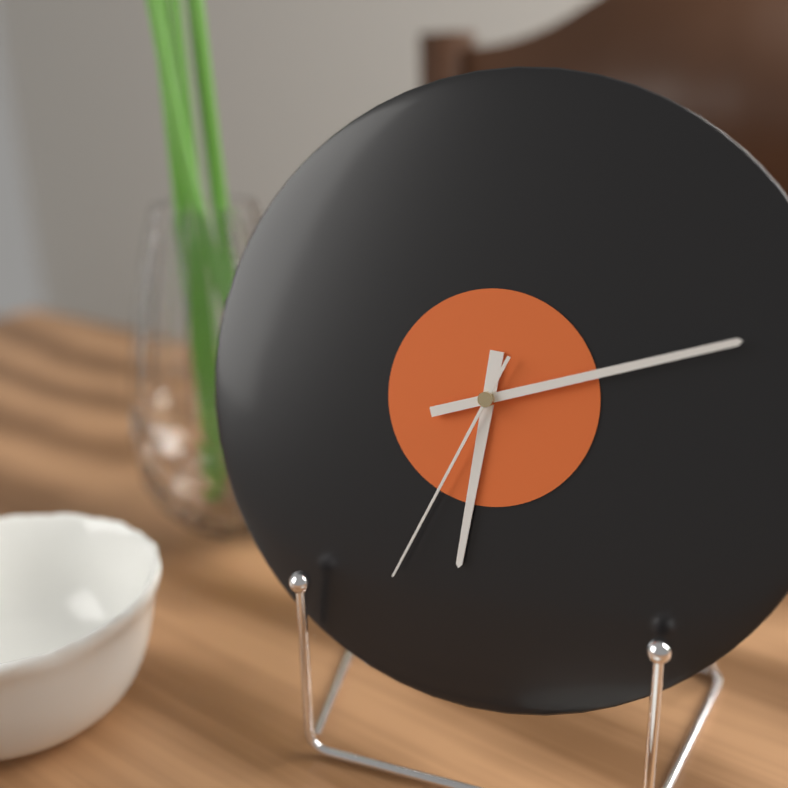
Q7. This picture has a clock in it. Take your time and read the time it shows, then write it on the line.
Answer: 6:12:34
